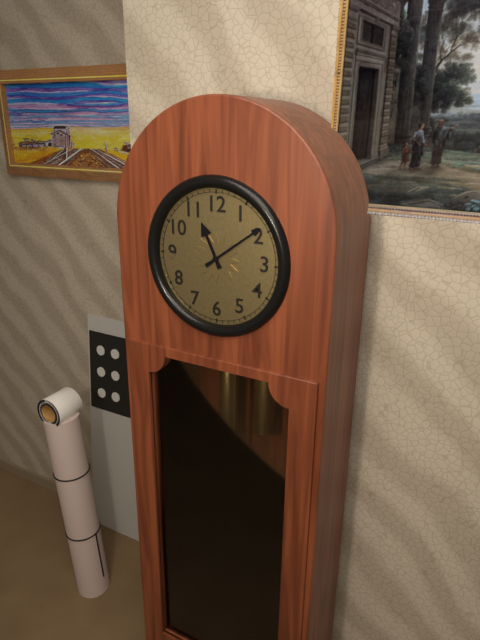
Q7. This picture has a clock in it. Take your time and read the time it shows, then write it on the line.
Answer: 11:09
